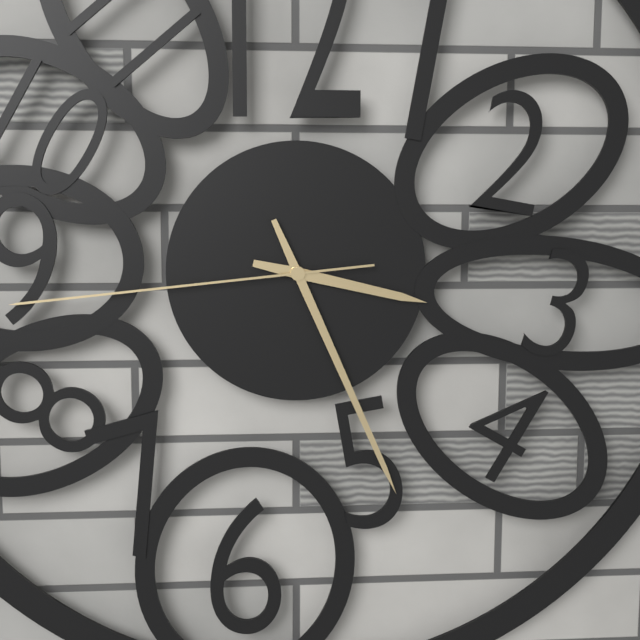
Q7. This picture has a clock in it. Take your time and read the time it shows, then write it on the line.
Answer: 3:26:44
